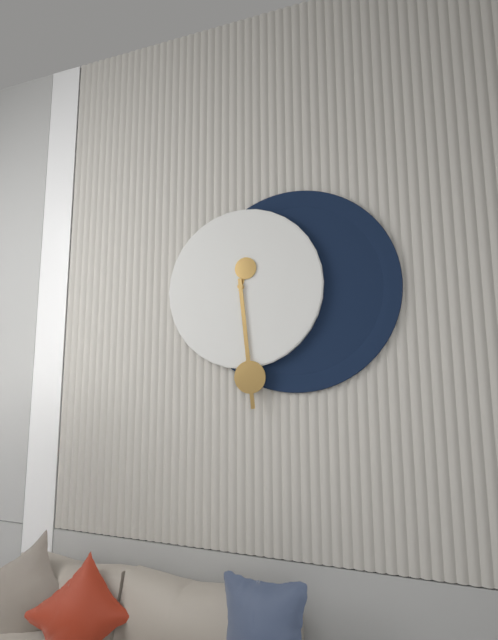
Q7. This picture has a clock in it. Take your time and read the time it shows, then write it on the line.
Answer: 12:29
